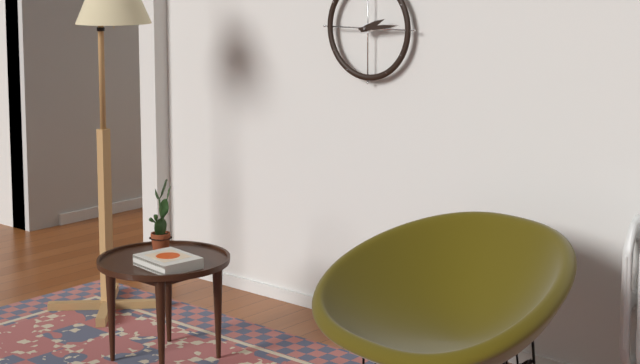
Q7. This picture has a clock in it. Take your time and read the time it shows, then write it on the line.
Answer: 2:14
